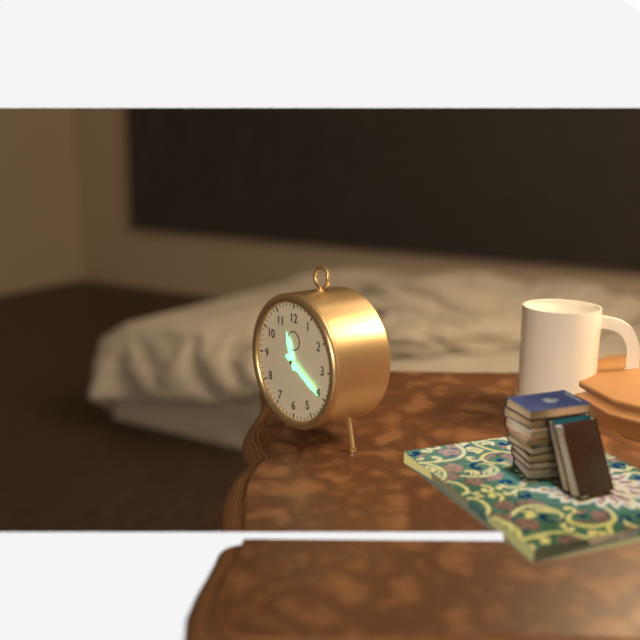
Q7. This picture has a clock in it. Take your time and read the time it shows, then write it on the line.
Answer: 11:20
